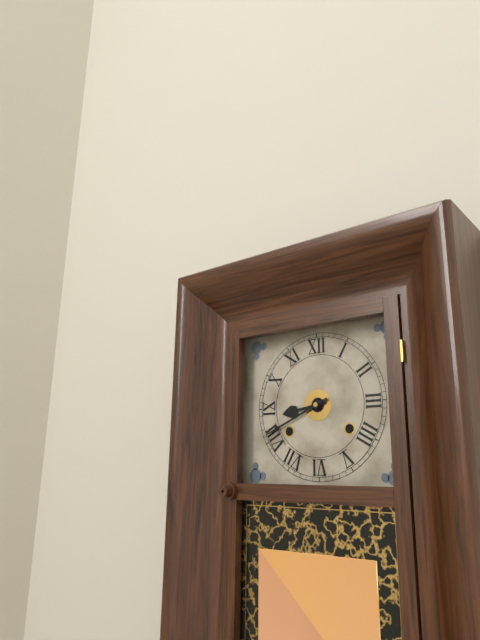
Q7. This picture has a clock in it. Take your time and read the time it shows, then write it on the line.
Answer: 8:41
